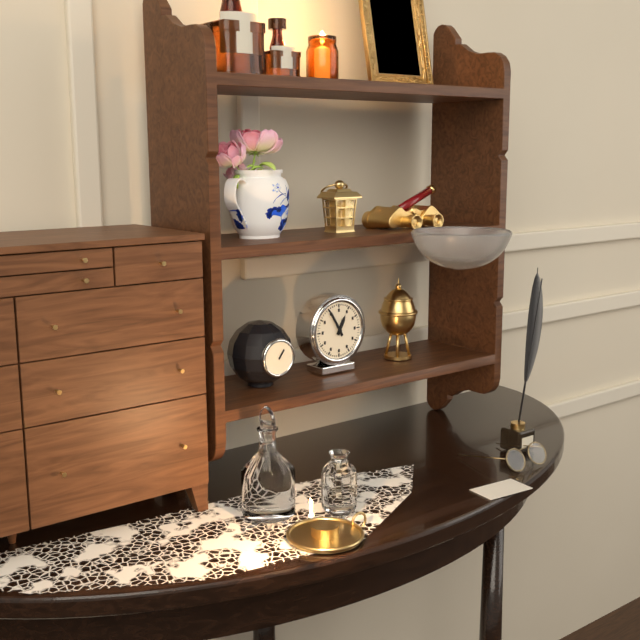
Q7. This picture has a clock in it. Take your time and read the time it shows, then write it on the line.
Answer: 12:55
